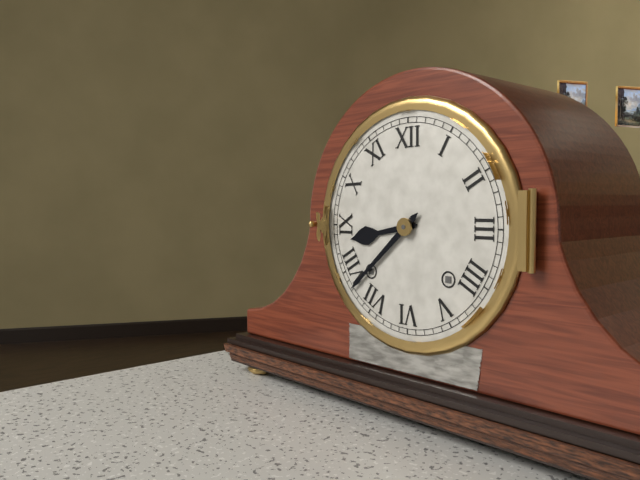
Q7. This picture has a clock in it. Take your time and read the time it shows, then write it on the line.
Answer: 8:38
